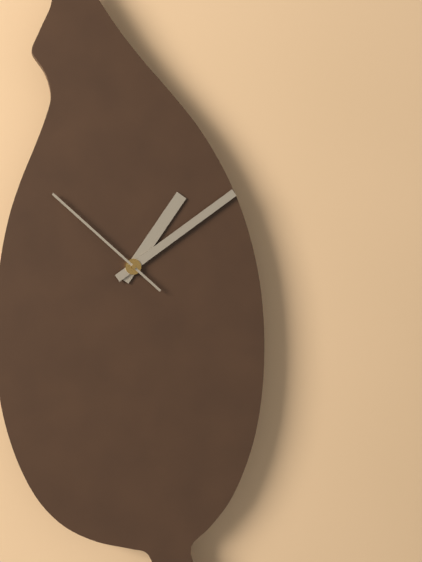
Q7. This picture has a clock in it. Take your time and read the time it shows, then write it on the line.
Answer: 1:09:52
